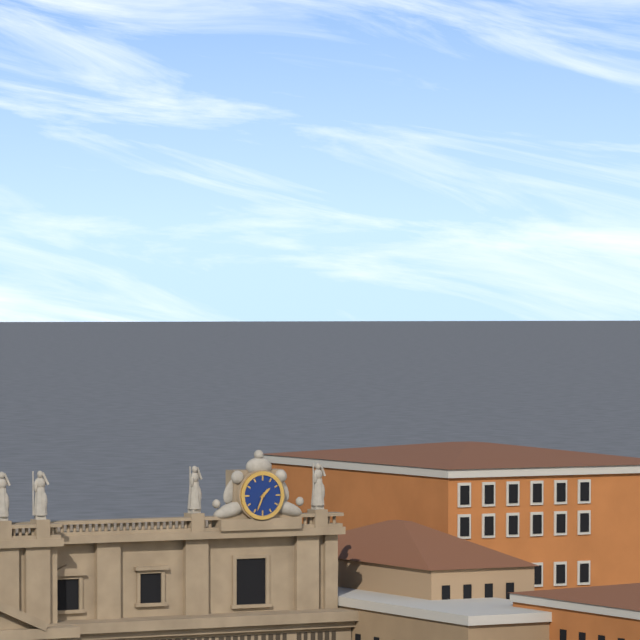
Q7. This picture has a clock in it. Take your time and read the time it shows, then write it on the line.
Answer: 1:34
